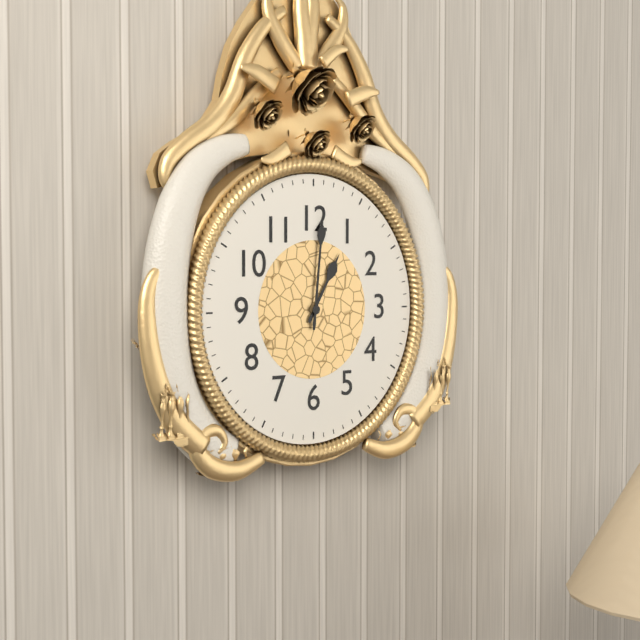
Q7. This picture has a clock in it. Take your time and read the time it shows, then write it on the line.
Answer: 1:01
